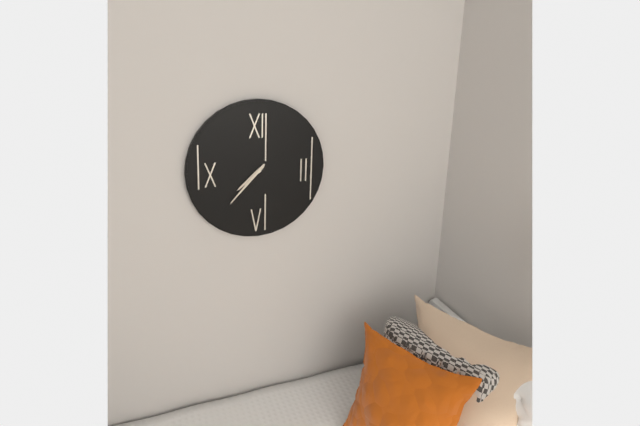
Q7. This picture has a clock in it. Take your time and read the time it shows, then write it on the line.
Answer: 7:37
